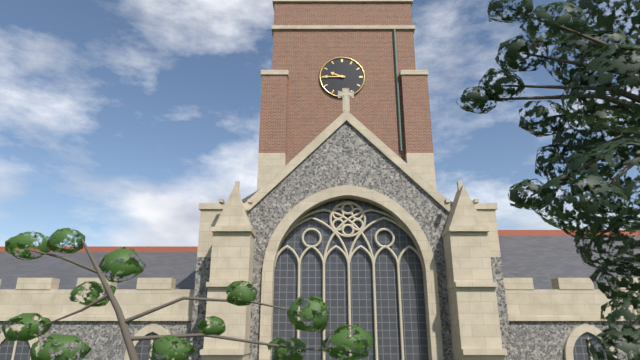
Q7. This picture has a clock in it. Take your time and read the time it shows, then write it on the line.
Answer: 9:45
